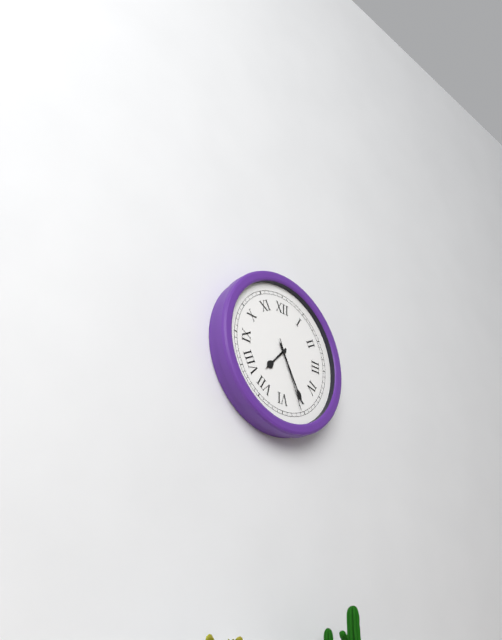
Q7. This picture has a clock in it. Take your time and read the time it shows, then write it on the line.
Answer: 7:25:26
